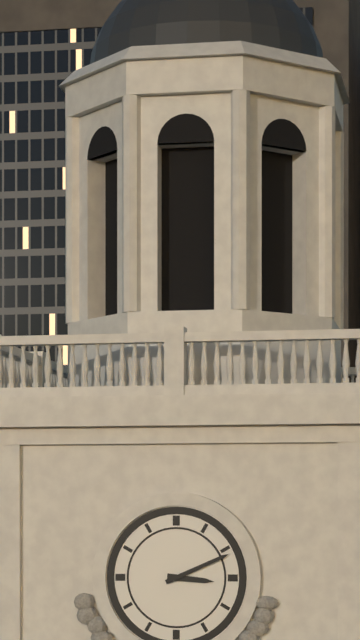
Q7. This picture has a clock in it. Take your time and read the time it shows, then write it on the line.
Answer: 3:11
